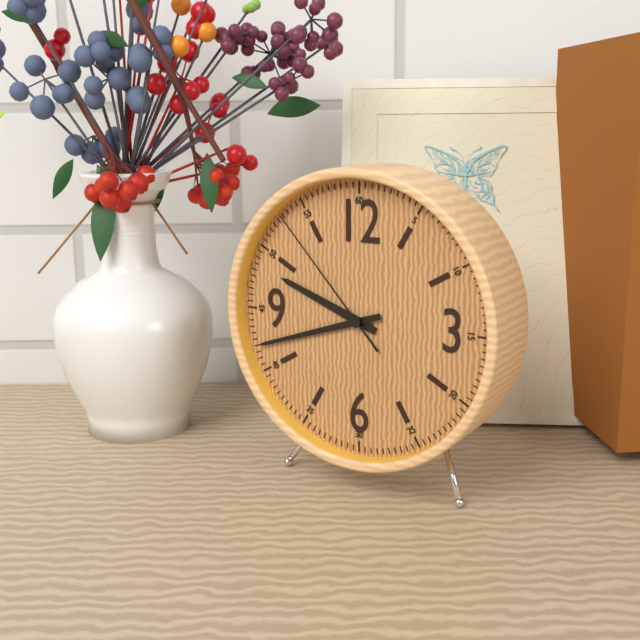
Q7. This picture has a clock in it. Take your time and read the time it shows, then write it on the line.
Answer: 9:42:53
